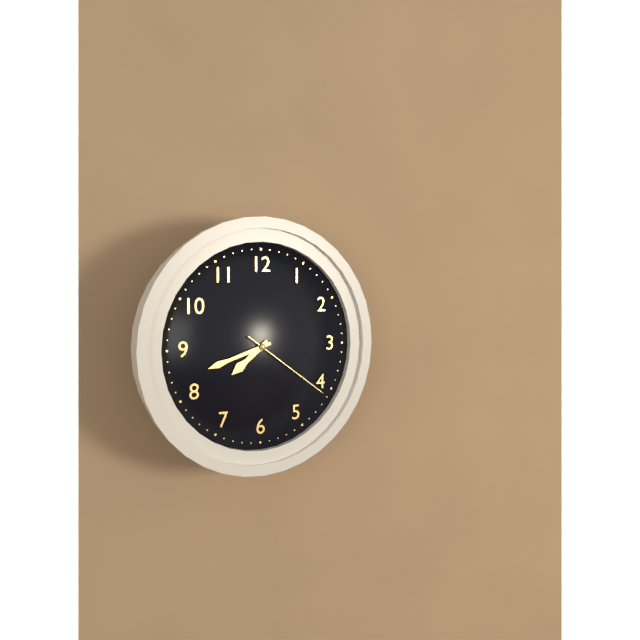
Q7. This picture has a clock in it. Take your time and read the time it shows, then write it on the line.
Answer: 7:42:21
